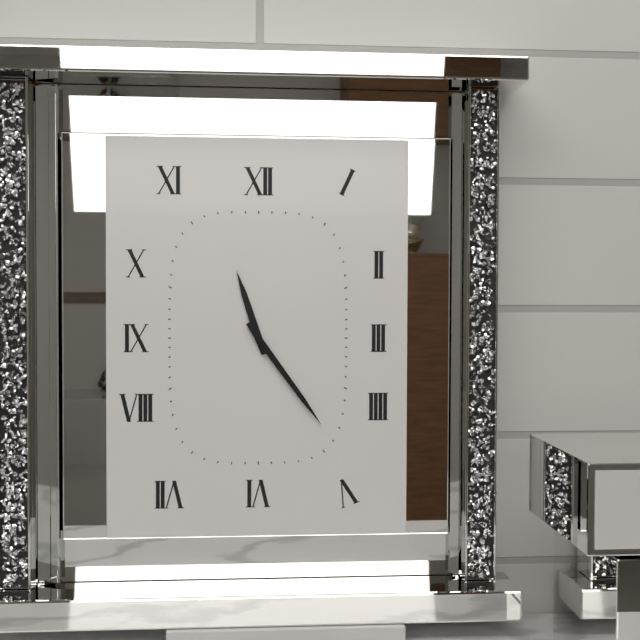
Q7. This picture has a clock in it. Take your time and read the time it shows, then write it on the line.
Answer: 11:24
